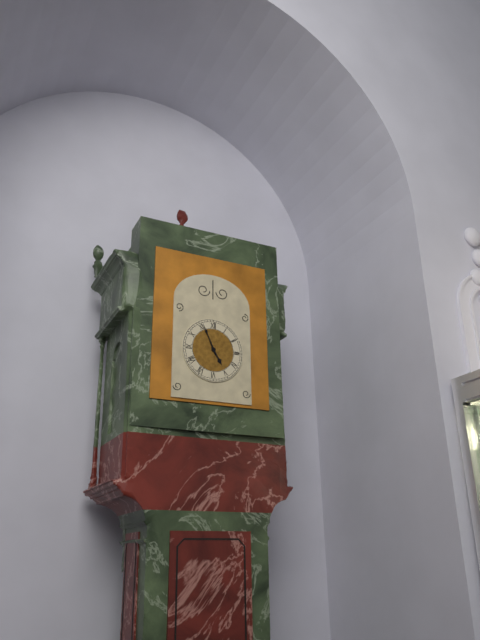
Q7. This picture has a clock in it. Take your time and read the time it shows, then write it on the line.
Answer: 4:56
